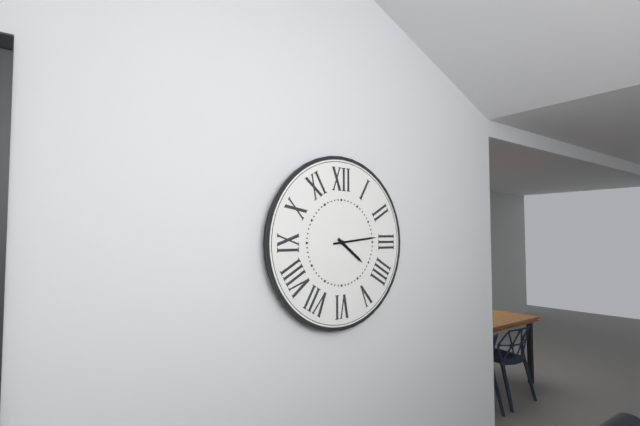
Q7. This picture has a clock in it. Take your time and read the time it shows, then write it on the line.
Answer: 4:14
